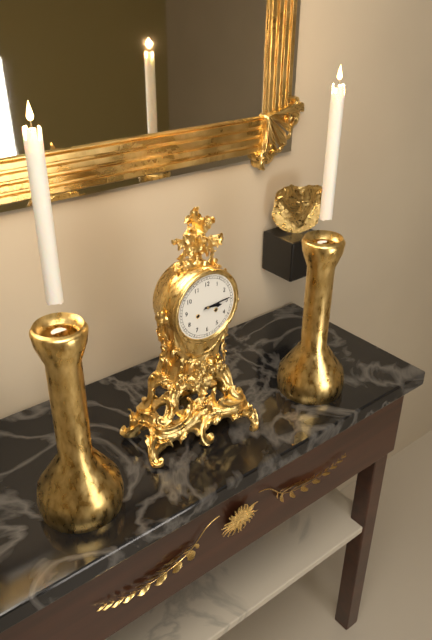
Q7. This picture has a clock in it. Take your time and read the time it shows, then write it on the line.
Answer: 3:14
